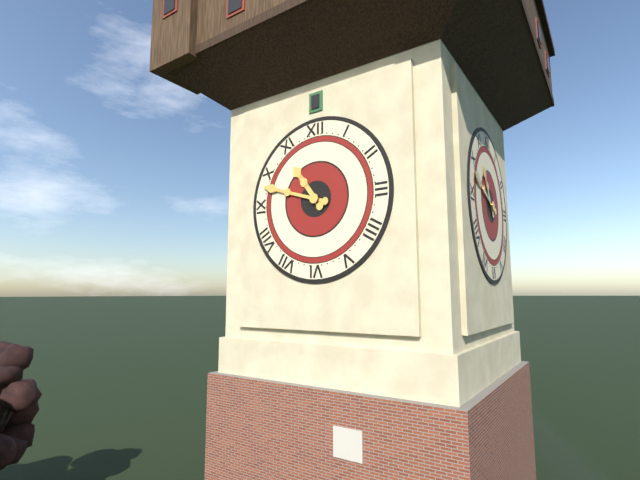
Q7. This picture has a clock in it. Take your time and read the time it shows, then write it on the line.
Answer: 10:48
